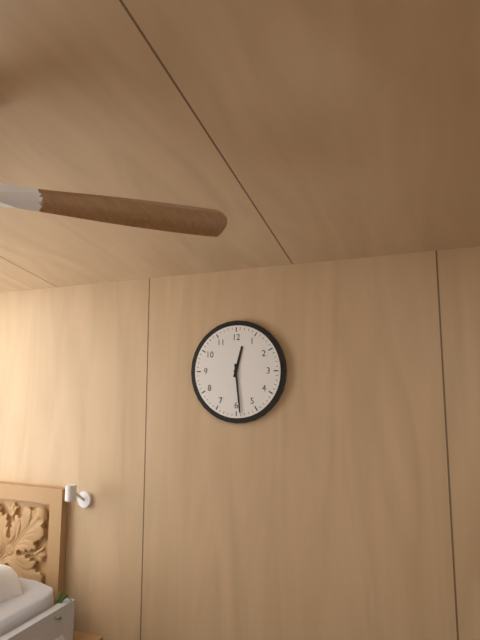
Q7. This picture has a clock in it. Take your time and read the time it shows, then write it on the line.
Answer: 12:29
